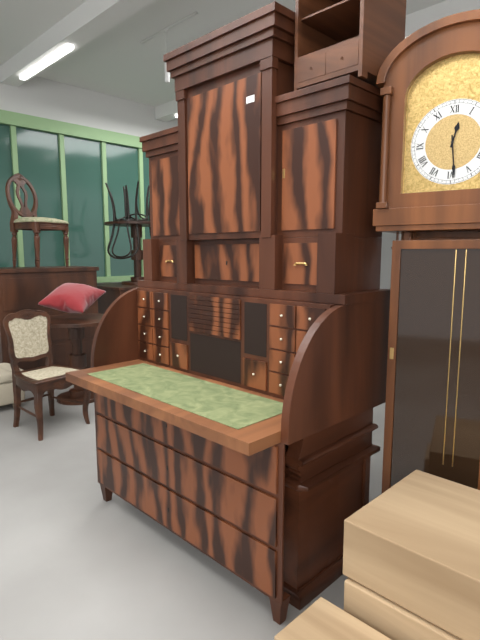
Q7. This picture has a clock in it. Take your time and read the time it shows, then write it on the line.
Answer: 12:29
